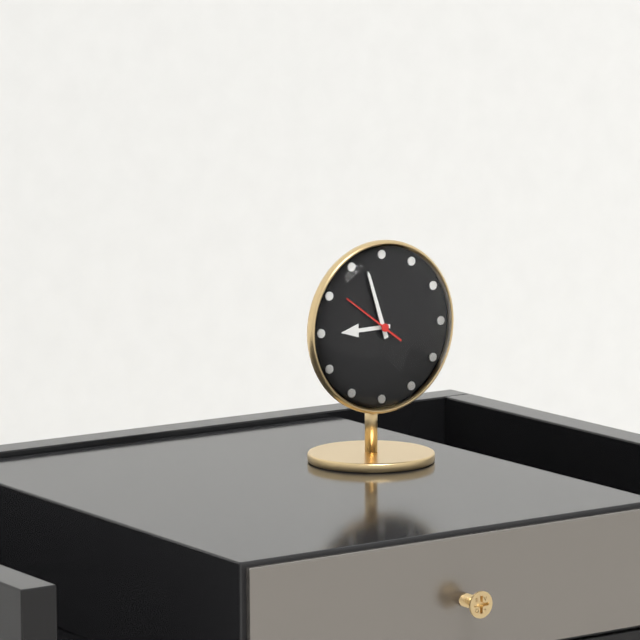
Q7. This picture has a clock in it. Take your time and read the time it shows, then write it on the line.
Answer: 8:57:51
